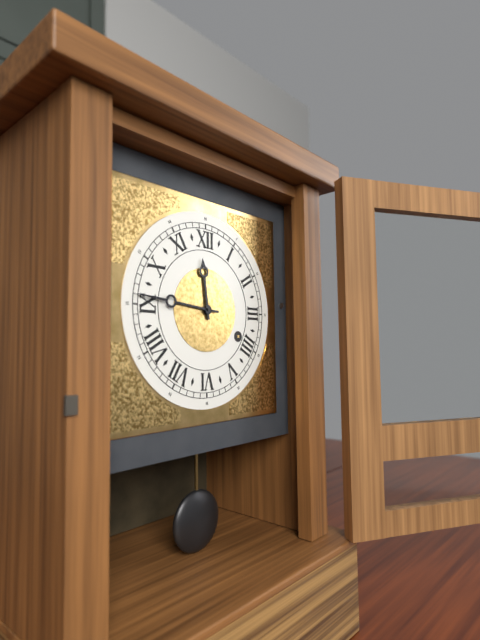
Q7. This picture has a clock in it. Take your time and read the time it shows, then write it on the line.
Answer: 11:46
